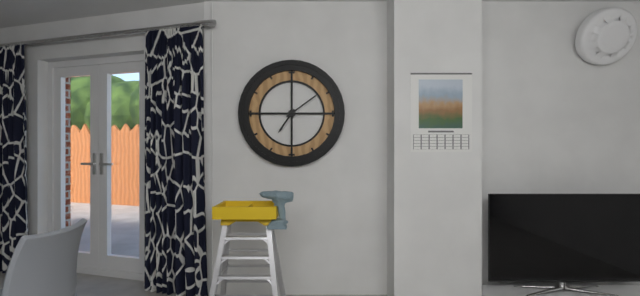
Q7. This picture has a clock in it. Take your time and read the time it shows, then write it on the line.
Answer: 7:09
